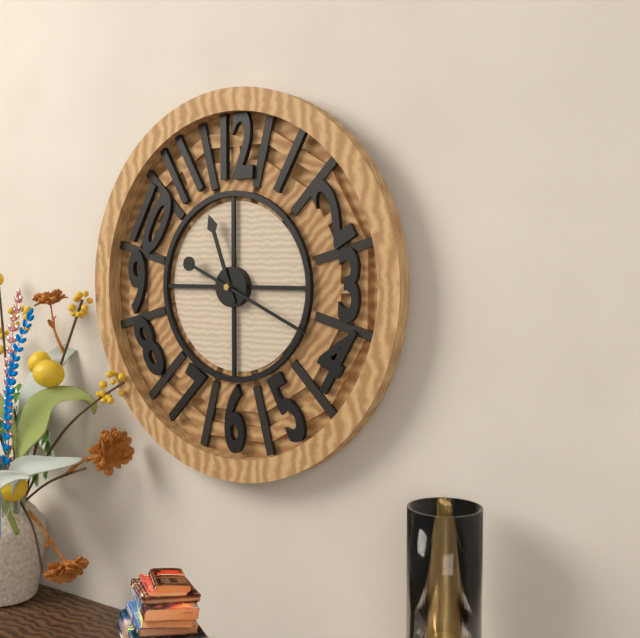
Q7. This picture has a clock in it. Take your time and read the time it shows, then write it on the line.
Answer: 11:19
